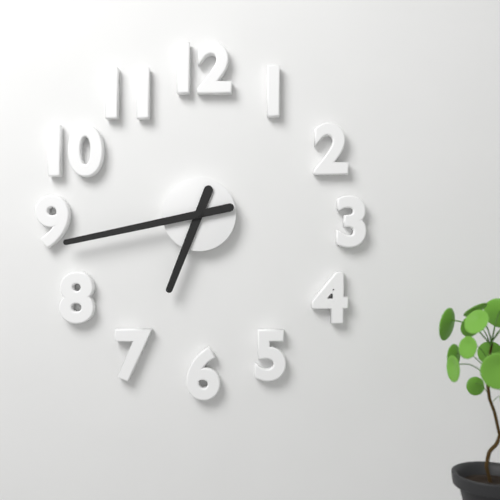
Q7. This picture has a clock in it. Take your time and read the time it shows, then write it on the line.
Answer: 6:43
